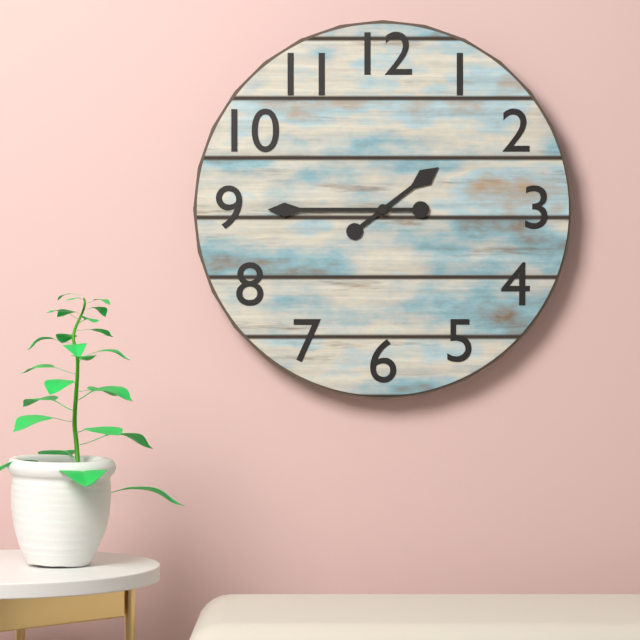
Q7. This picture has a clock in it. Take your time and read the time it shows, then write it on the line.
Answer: 1:45
